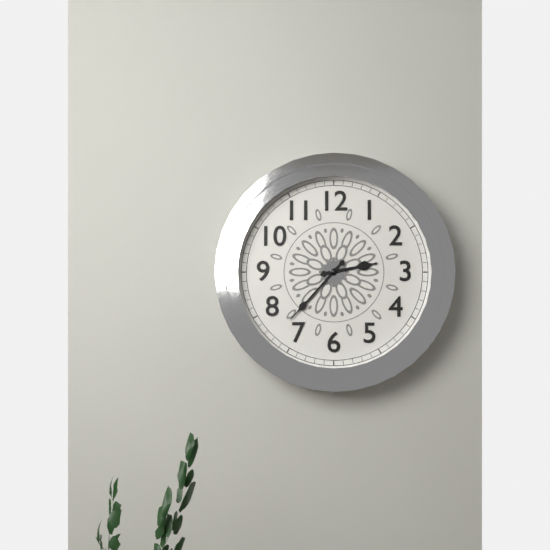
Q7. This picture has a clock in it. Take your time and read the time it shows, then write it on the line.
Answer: 2:37
